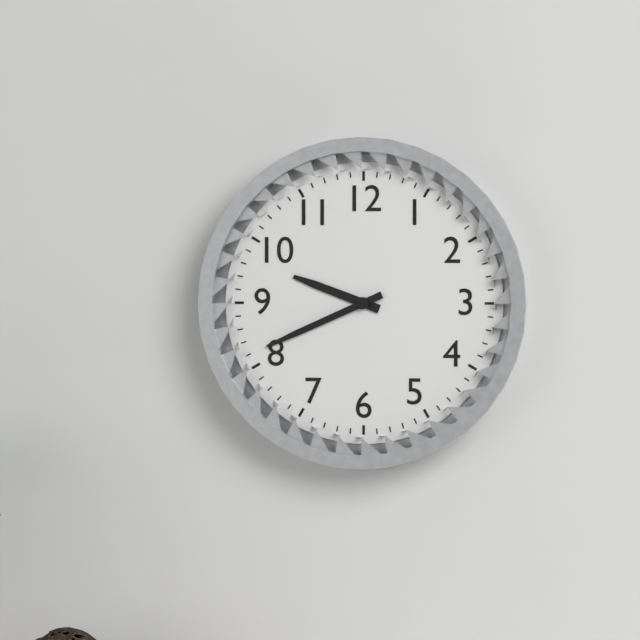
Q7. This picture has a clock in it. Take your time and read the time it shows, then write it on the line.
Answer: 9:41
